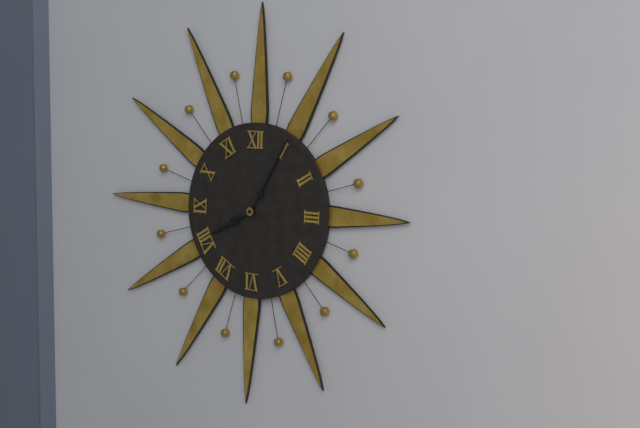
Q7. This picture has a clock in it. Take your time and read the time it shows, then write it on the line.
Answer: 8:05
